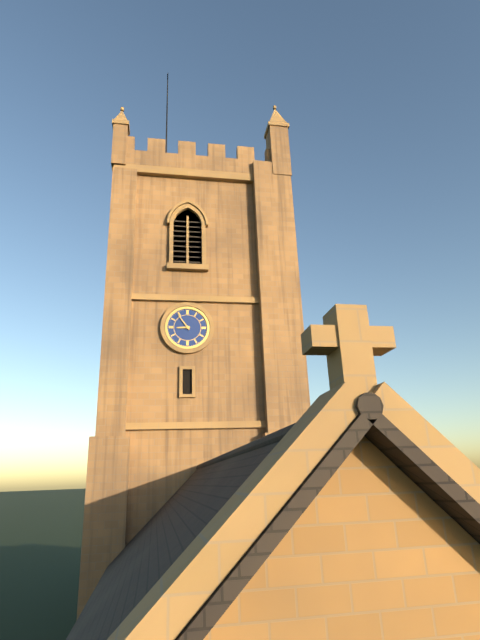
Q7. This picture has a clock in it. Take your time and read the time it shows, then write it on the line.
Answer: 8:54
